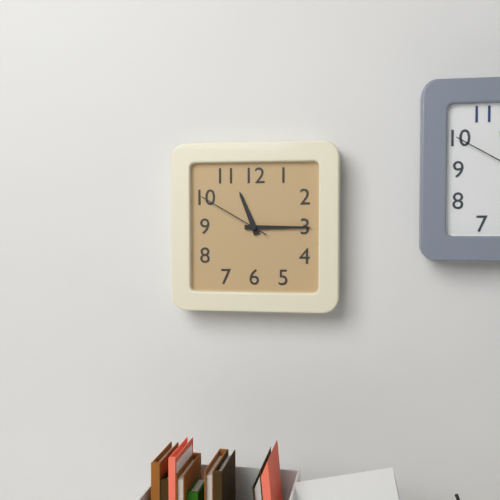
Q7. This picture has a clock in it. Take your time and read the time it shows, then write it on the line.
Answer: 11:15:50
